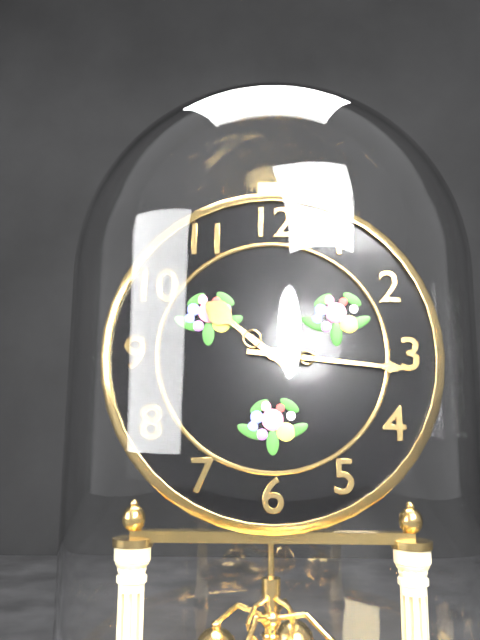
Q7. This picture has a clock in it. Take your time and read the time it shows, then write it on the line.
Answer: 10:16
